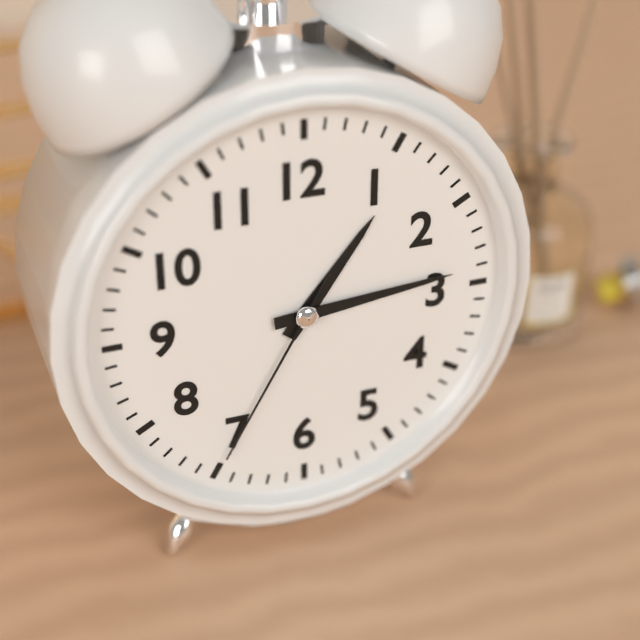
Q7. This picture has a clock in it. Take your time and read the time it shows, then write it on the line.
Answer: 1:14:35
